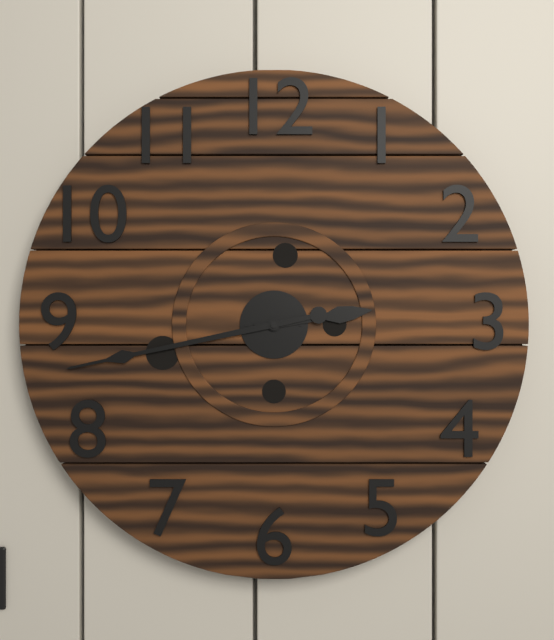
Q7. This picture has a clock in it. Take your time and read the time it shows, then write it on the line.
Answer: 2:43
